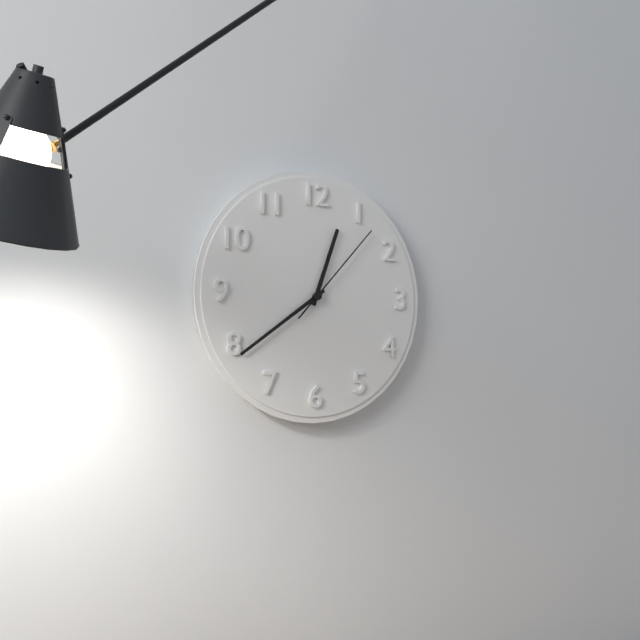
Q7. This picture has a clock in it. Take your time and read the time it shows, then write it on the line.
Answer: 12:39:07
